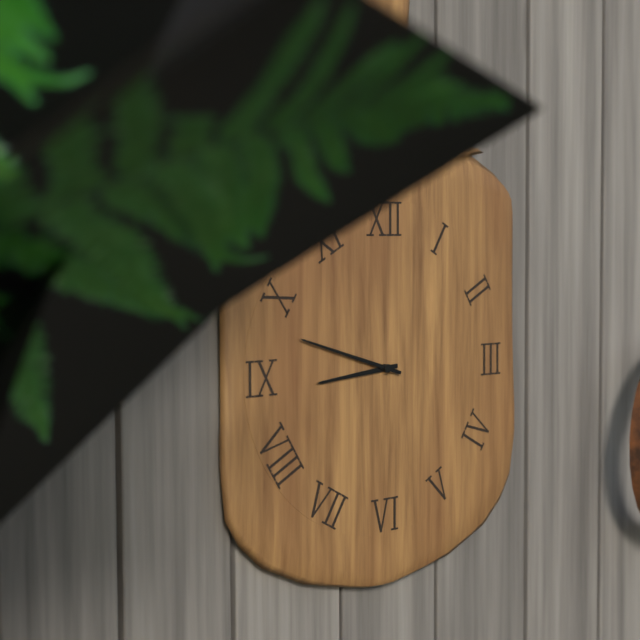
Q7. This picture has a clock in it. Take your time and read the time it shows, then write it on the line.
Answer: 8:48
